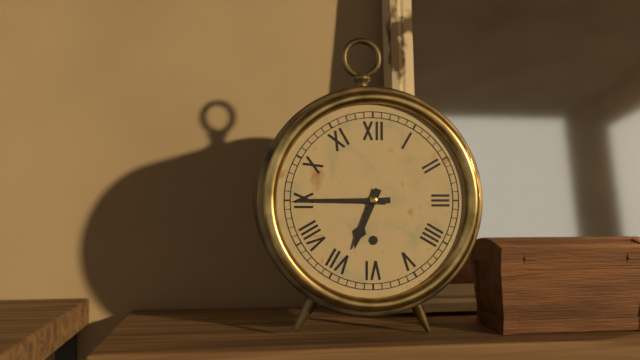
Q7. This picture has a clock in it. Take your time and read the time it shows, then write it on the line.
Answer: 6:45
